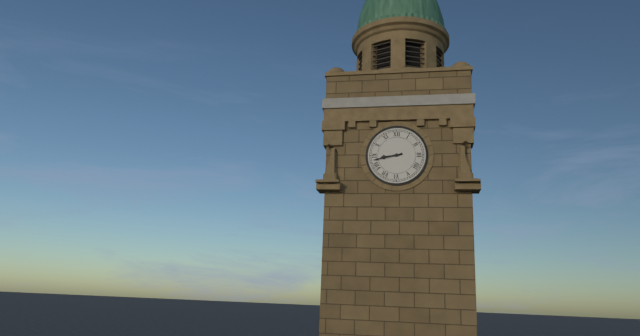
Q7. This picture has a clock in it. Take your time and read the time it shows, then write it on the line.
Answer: 8:43
